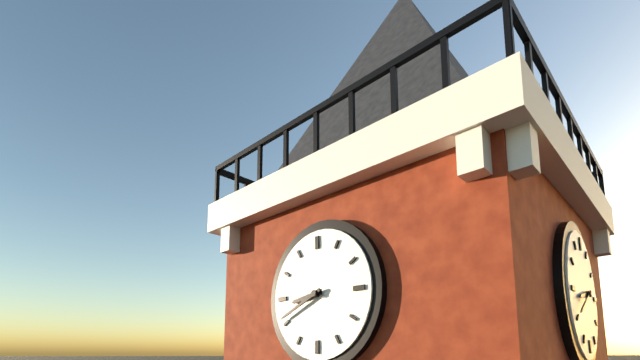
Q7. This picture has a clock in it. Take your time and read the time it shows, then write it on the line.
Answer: 8:41
